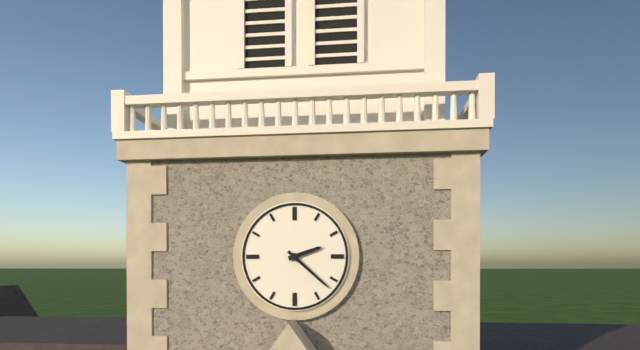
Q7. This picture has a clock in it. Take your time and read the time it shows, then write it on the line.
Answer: 2:22
